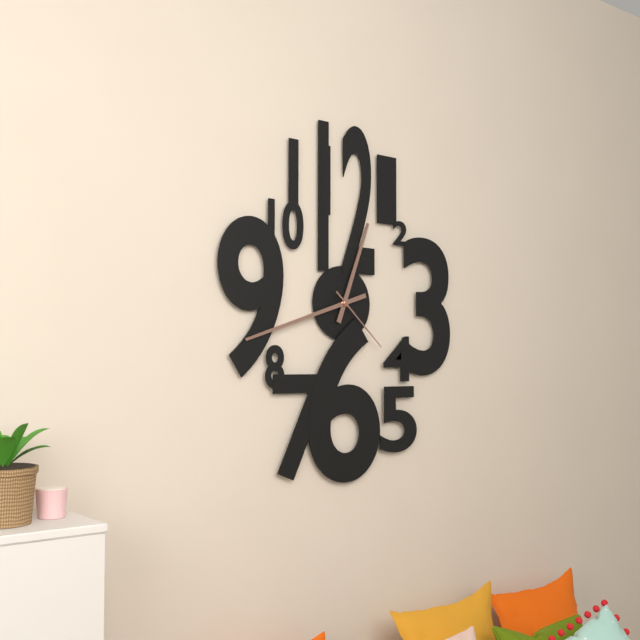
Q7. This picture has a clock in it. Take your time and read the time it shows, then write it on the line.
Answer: 12:42:22
